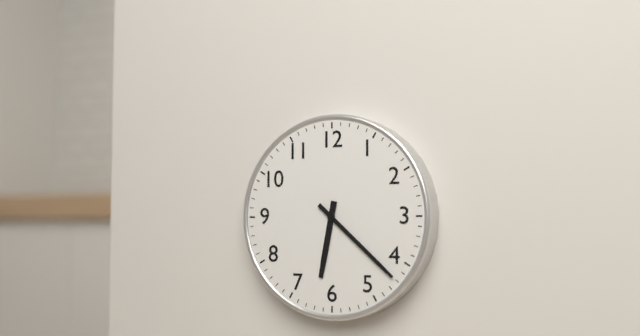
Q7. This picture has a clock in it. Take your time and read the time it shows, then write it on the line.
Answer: 6:22
